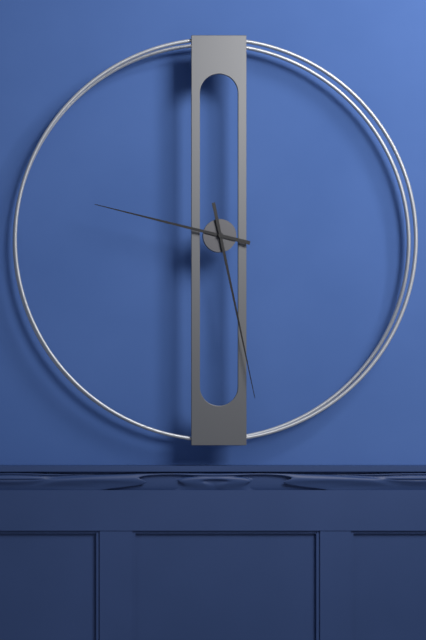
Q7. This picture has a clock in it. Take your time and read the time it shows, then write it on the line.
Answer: 9:28
